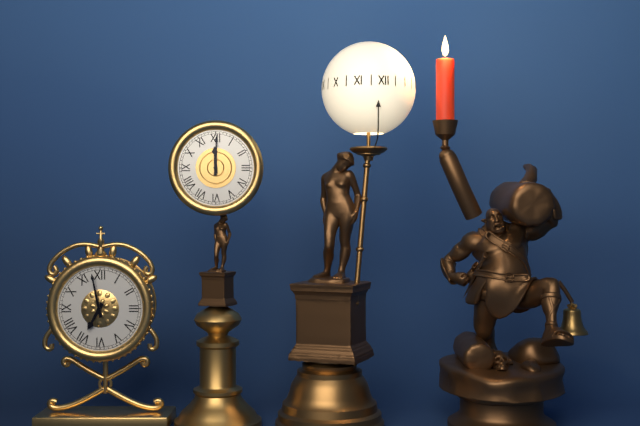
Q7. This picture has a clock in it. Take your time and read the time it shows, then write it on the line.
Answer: 6:58
